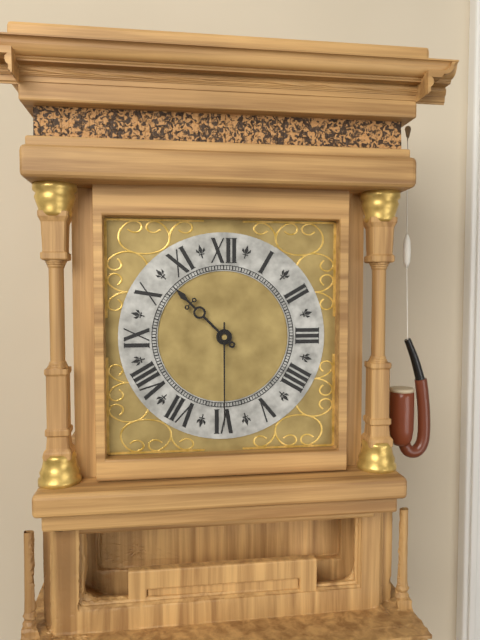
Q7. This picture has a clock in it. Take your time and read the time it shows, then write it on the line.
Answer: 10:30
